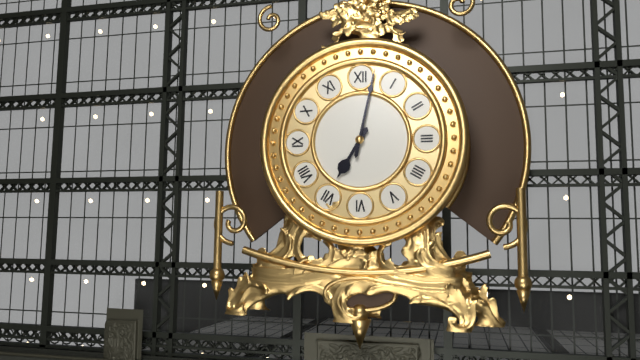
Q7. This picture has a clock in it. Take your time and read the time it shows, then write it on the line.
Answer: 7:02
